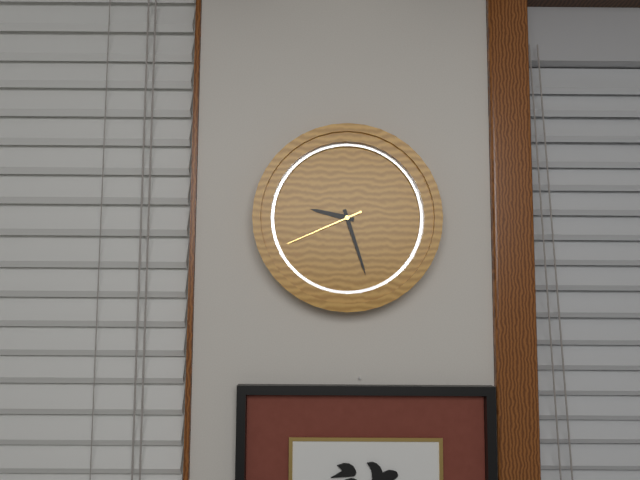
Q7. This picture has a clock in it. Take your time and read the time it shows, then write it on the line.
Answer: 9:27:41
